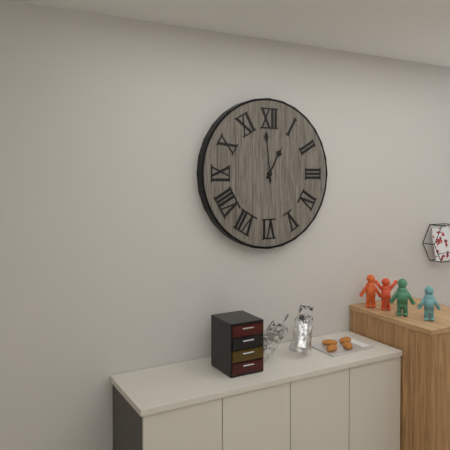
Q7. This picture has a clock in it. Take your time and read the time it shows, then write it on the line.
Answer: 12:59
